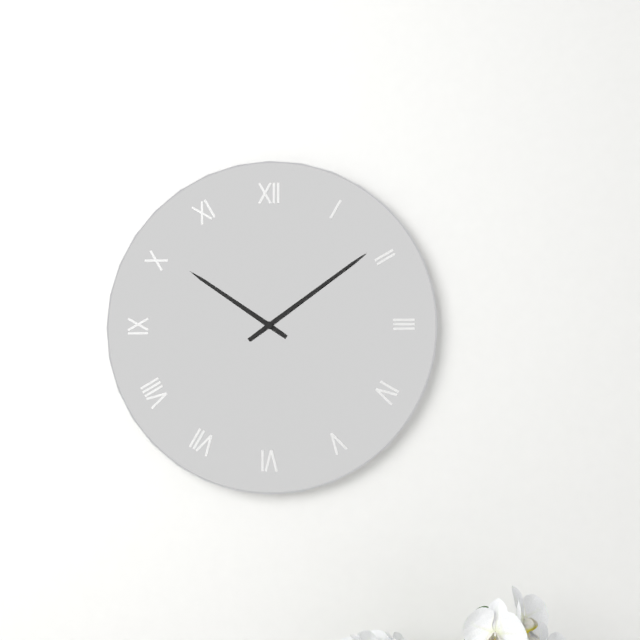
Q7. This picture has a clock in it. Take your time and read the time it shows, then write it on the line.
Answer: 10:09
